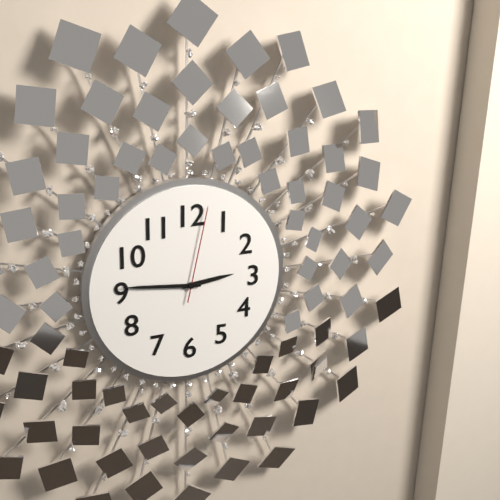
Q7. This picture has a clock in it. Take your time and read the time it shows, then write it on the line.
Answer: 2:46:02
